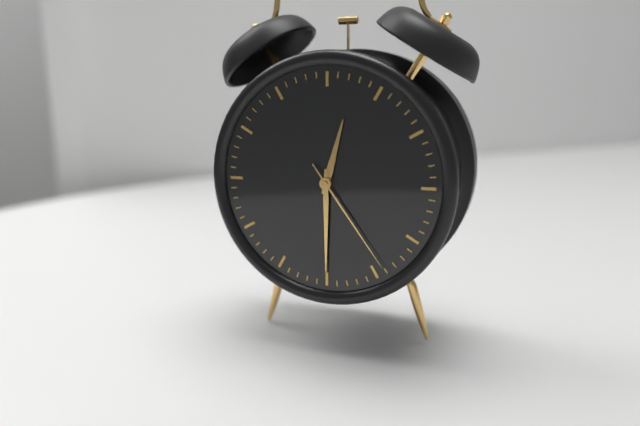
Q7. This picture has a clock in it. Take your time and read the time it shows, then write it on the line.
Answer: 12:30:24
